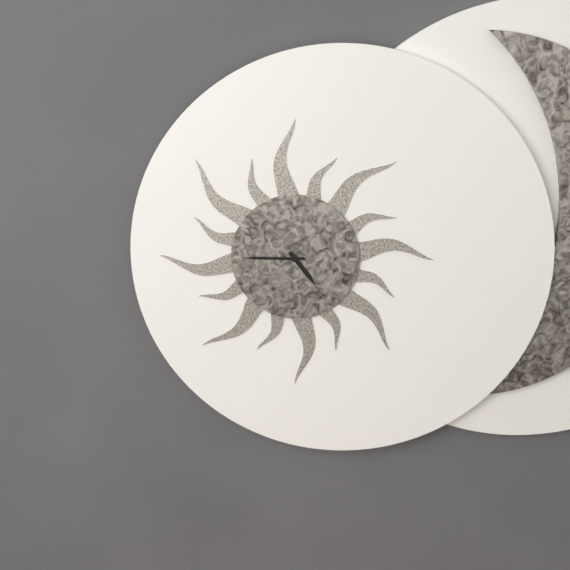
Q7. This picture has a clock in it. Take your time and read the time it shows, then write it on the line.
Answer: 4:45
